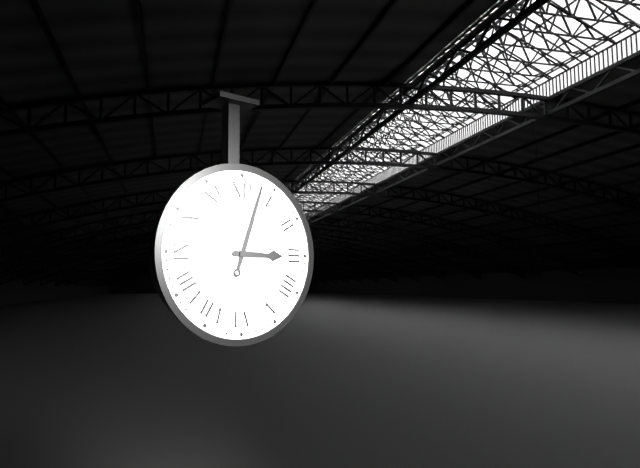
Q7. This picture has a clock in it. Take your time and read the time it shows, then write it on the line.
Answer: 3:03
